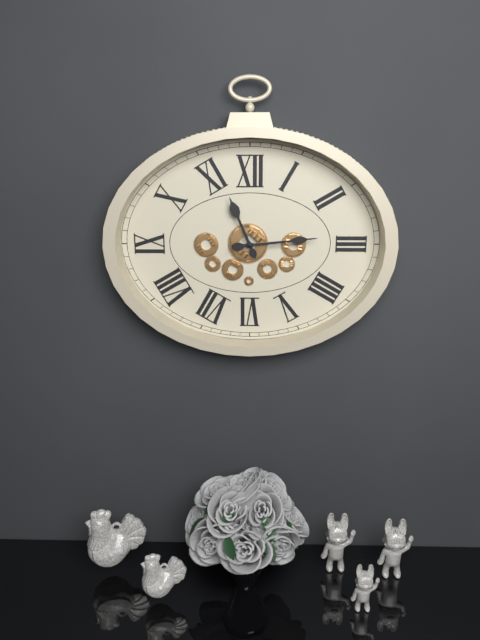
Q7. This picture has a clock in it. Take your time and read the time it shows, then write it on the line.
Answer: 11:14
